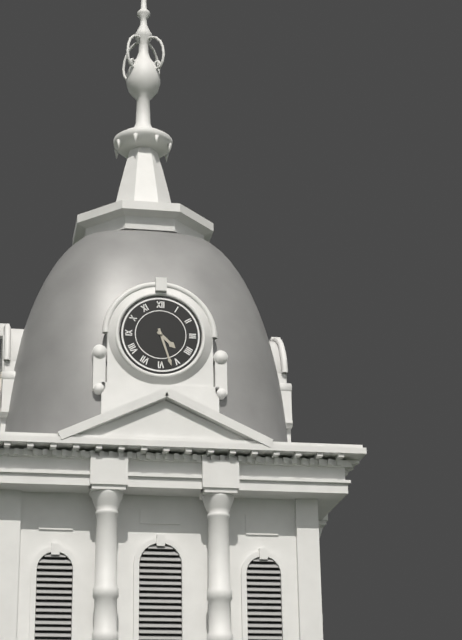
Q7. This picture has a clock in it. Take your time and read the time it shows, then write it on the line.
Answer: 4:27
